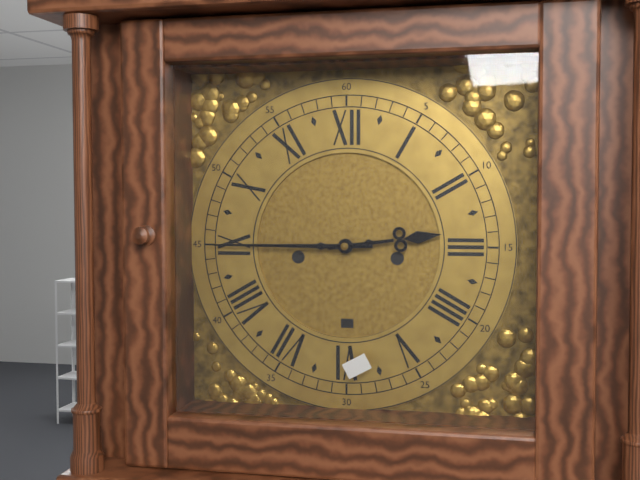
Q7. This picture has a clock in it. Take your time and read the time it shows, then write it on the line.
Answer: 2:45
